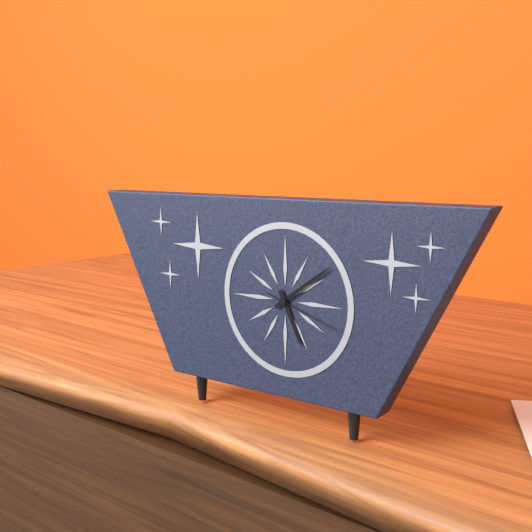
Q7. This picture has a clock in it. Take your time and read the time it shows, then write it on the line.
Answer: 5:09:18
